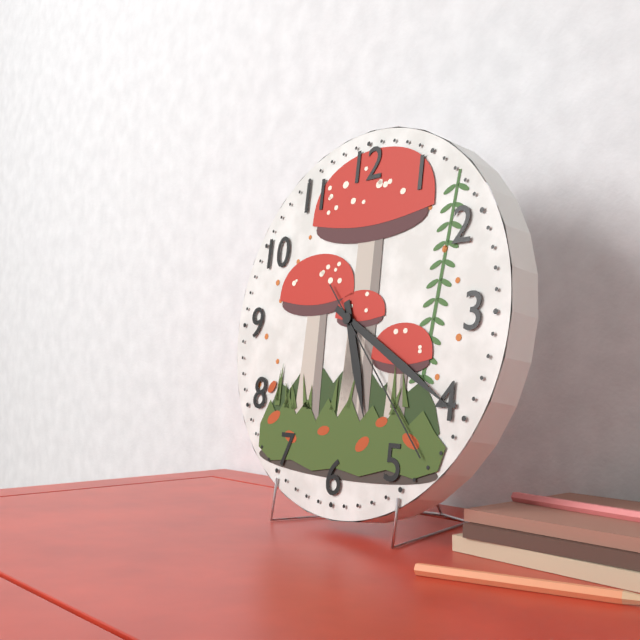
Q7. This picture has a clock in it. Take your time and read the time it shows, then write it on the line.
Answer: 5:20:23
